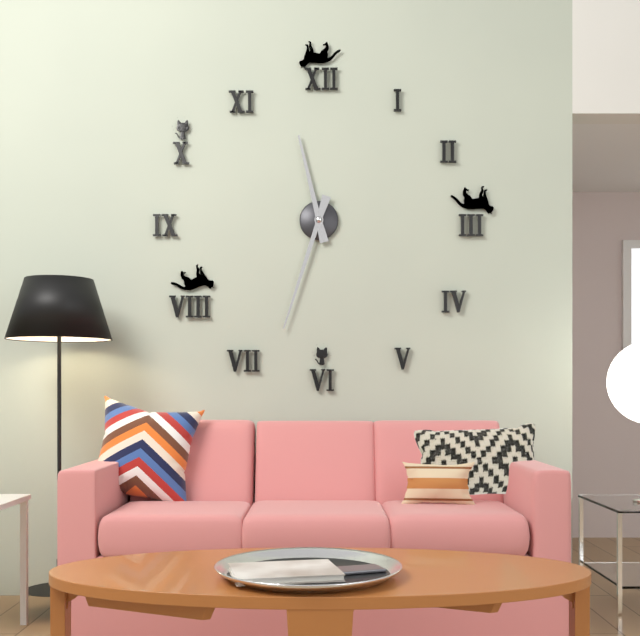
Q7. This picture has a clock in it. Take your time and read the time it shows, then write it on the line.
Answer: 11:33
